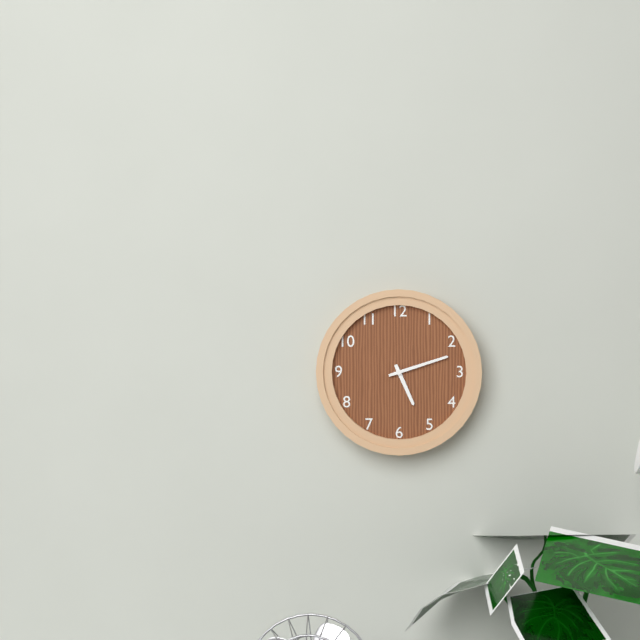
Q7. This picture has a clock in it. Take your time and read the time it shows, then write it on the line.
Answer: 5:12
